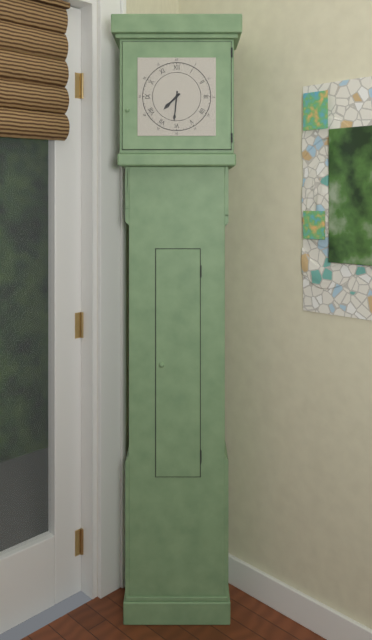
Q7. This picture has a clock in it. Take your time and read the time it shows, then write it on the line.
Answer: 7:31
